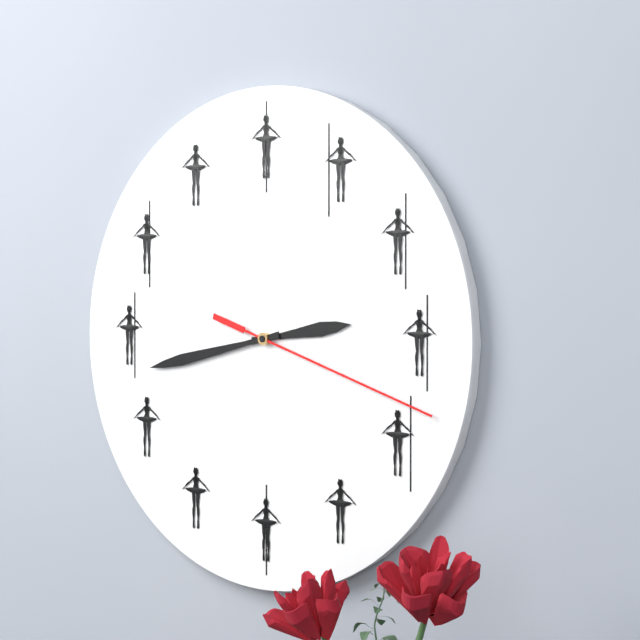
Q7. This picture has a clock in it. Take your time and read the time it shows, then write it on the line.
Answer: 2:43:18
